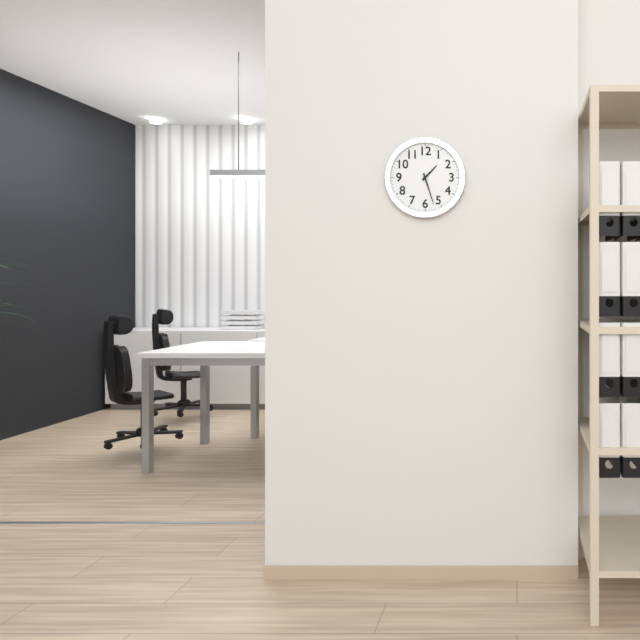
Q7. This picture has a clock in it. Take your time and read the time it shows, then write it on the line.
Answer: 1:27
